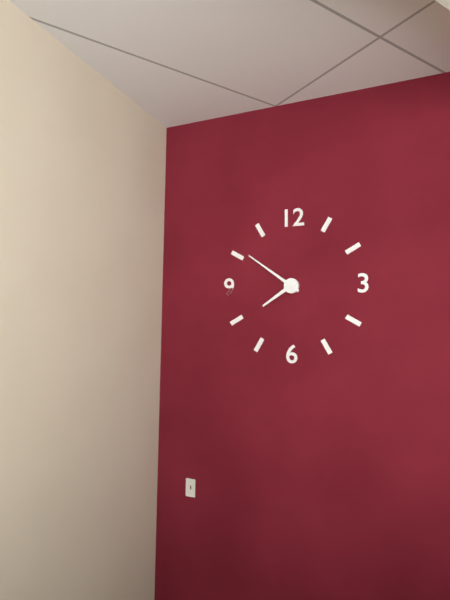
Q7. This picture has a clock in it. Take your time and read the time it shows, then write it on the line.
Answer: 7:51
